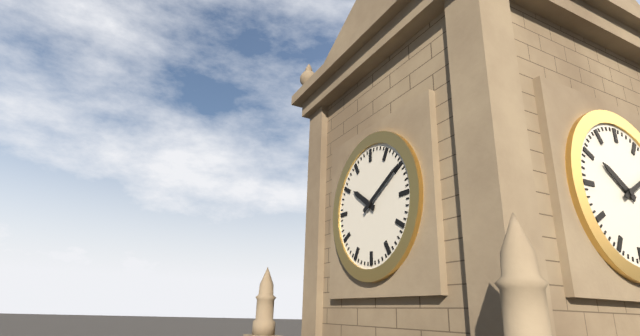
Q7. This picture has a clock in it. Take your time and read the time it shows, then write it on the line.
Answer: 10:10
